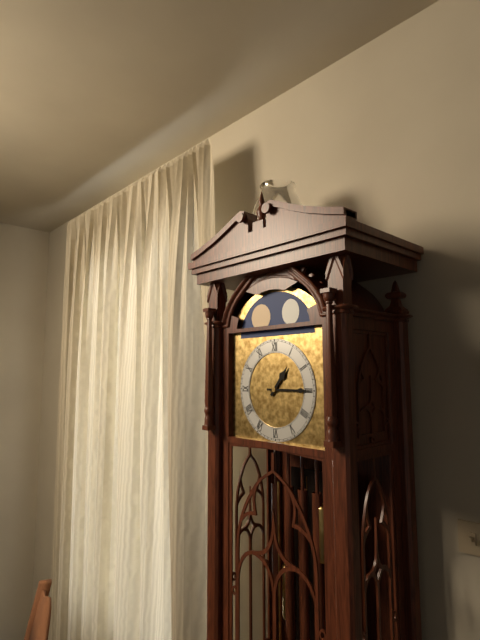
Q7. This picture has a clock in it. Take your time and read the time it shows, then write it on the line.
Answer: 1:15
